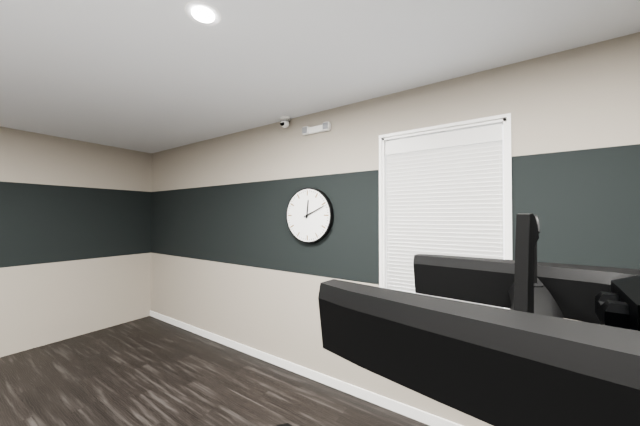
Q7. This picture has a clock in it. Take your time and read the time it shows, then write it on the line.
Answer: 12:11
